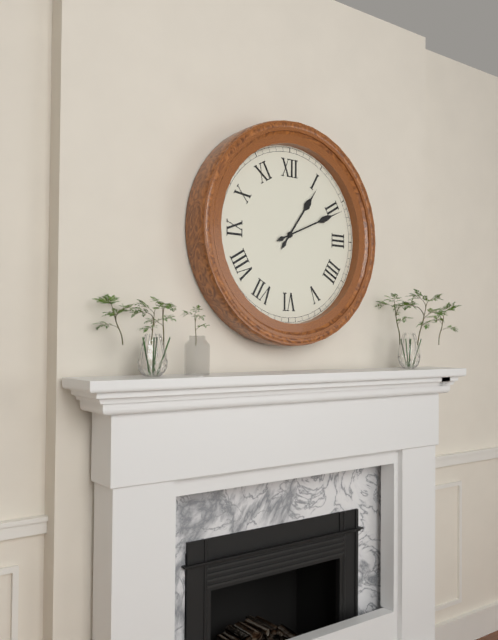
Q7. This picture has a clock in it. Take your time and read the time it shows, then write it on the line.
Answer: 1:11
